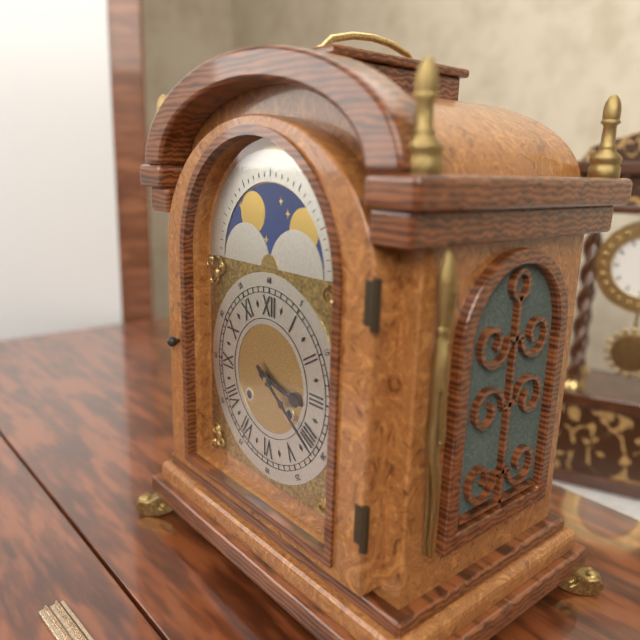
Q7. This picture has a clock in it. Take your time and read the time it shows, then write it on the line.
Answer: 3:21
